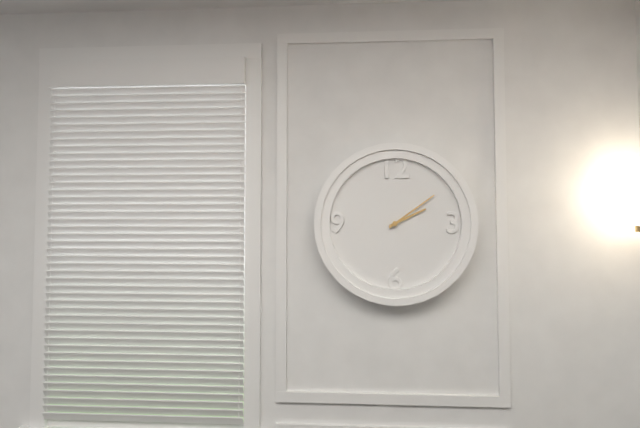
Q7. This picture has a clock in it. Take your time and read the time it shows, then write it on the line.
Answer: 2:09
